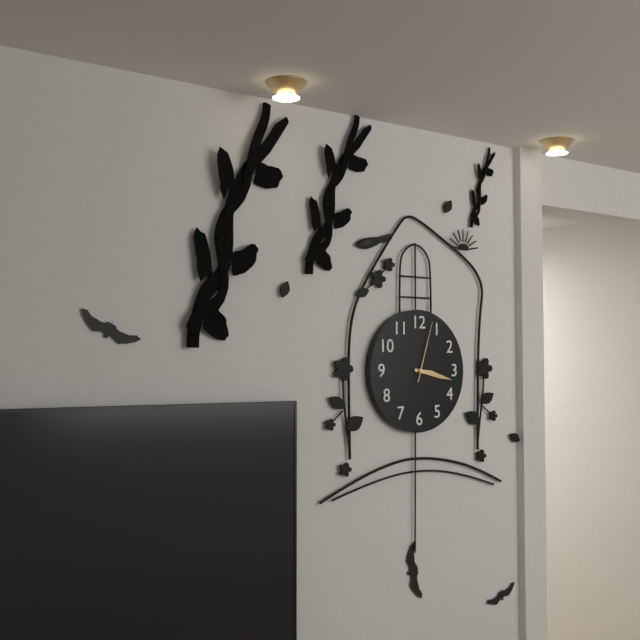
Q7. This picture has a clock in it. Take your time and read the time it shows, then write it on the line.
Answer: 3:17:03
